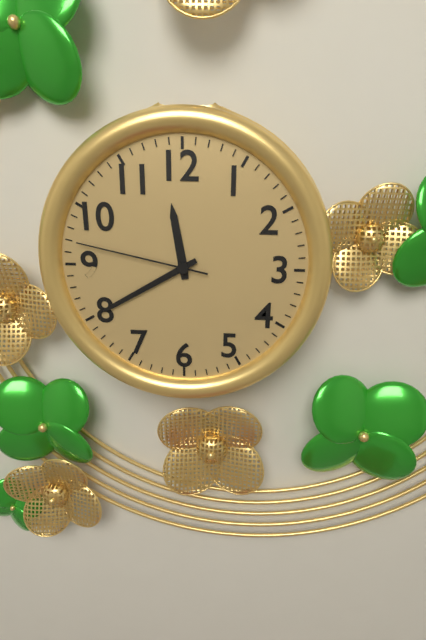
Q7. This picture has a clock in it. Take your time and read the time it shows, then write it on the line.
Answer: 11:40:47
